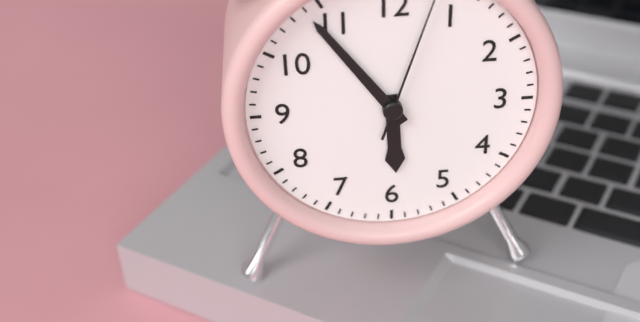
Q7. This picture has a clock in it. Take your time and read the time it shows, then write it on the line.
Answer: 5:54
